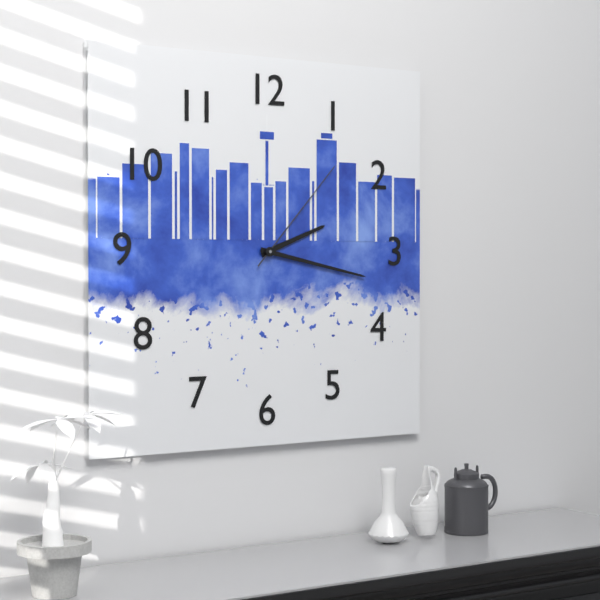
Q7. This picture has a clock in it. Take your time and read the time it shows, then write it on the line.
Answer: 2:17:07
